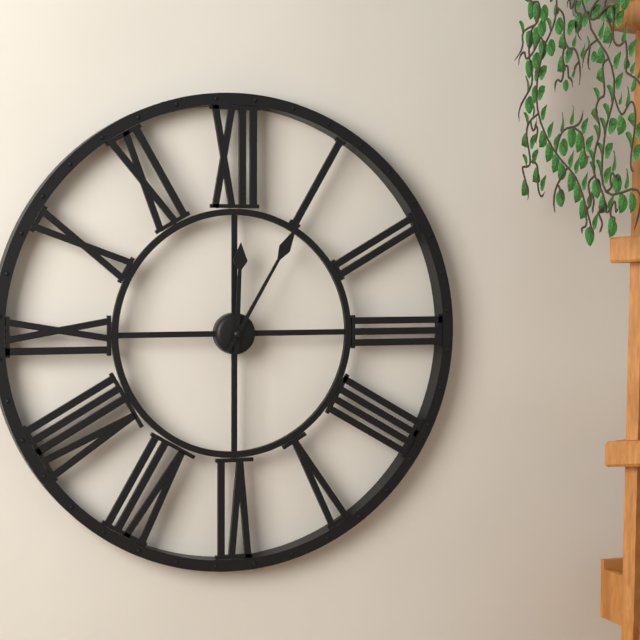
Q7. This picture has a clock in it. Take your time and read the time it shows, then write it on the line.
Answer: 12:05
